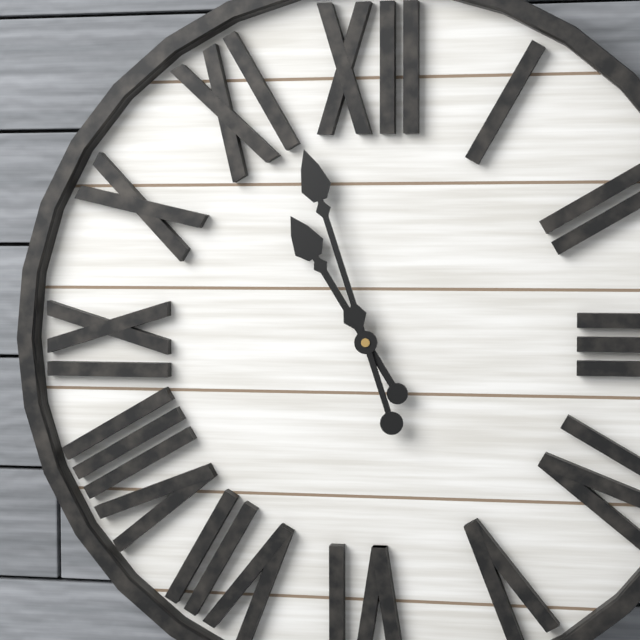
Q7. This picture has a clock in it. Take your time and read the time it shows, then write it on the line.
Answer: 10:57
